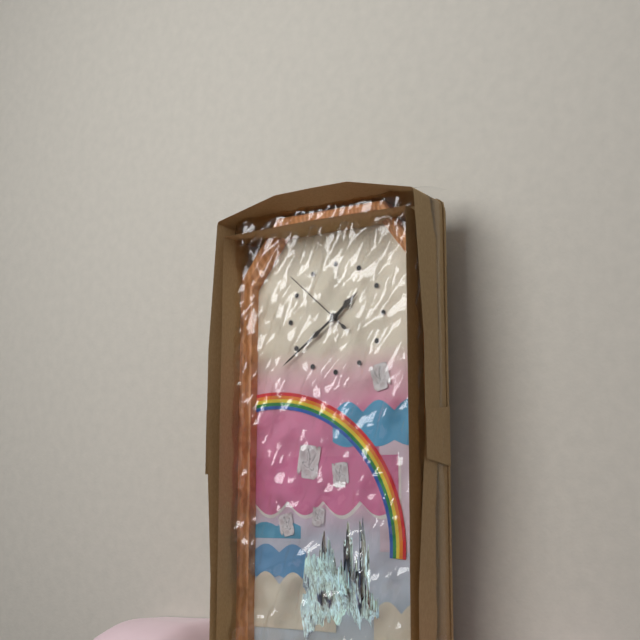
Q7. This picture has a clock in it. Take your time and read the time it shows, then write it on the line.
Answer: 1:39:52
